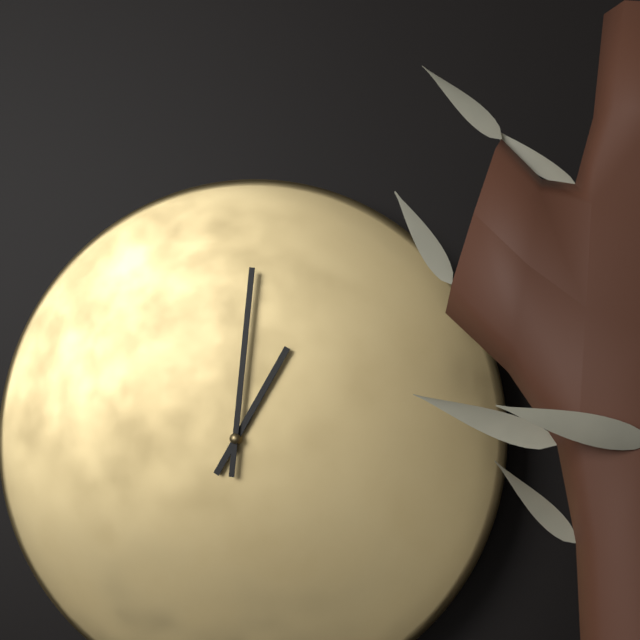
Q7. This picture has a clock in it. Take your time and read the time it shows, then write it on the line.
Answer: 1:01
